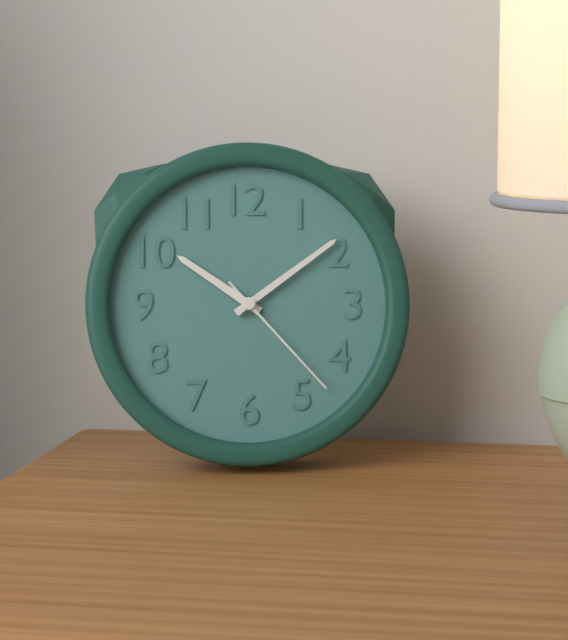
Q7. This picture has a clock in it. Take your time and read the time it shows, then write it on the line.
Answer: 10:09:23
